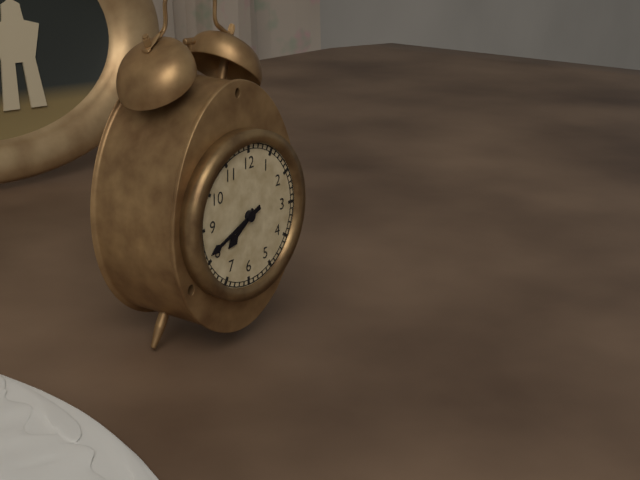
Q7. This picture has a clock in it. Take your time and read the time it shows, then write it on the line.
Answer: 7:41
